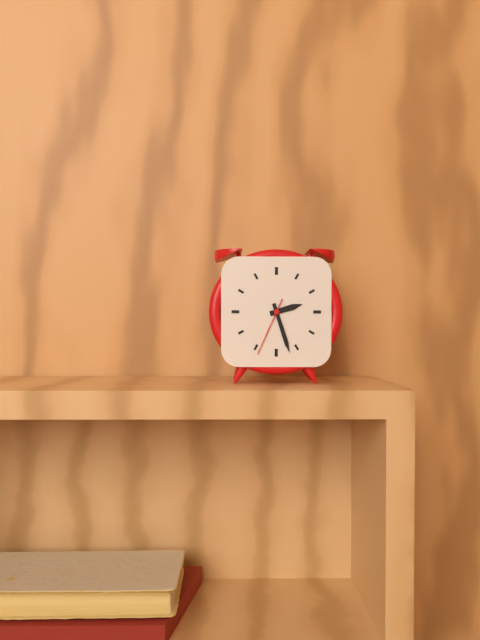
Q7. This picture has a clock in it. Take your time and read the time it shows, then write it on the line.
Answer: 2:27:34
